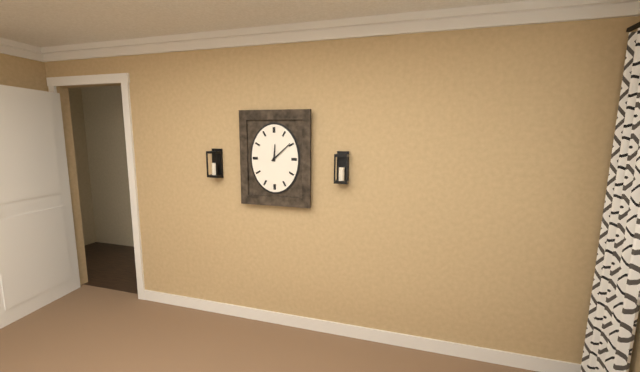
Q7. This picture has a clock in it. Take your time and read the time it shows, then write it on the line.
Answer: 12:08
